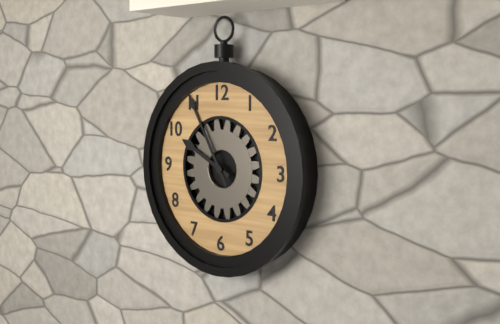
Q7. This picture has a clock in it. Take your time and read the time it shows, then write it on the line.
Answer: 9:55
